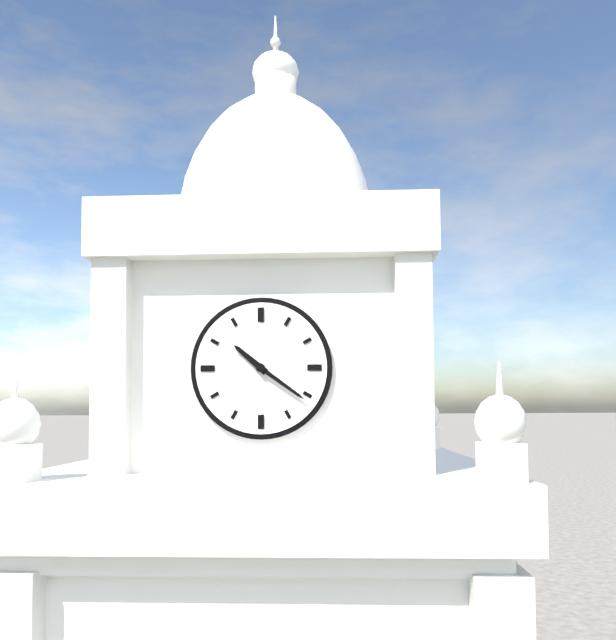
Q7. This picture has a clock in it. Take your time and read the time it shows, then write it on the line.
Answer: 10:21
